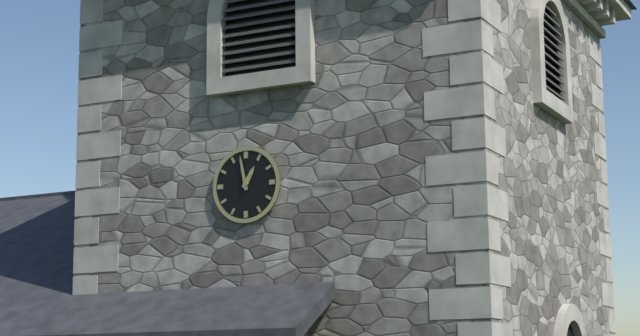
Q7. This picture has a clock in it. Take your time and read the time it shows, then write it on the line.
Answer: 12:58
